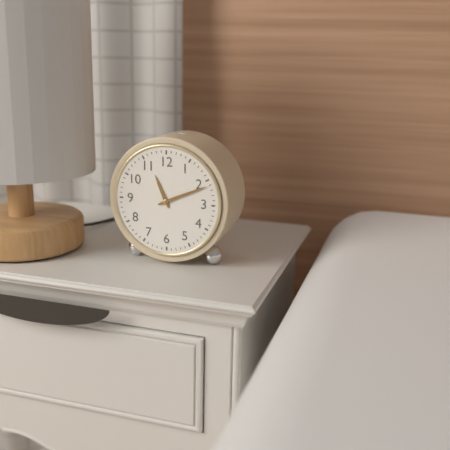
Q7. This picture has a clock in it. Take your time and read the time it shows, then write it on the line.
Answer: 11:11
